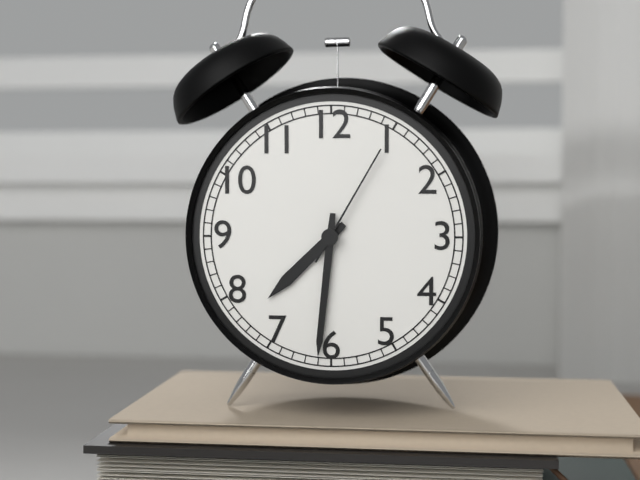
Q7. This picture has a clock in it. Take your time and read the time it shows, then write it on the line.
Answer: 7:31:05
